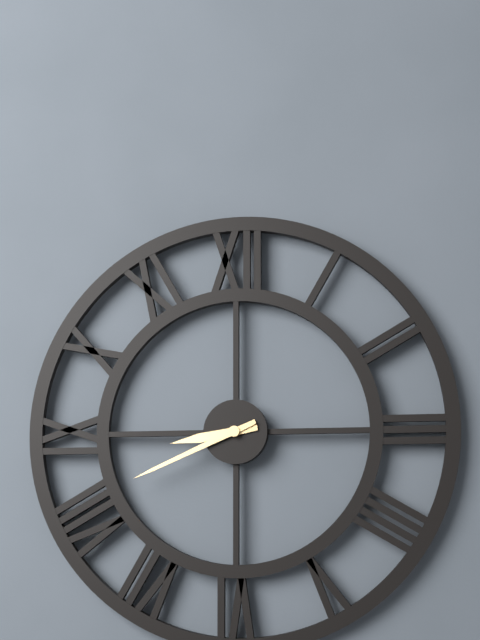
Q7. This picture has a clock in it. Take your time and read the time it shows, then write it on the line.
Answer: 8:41
